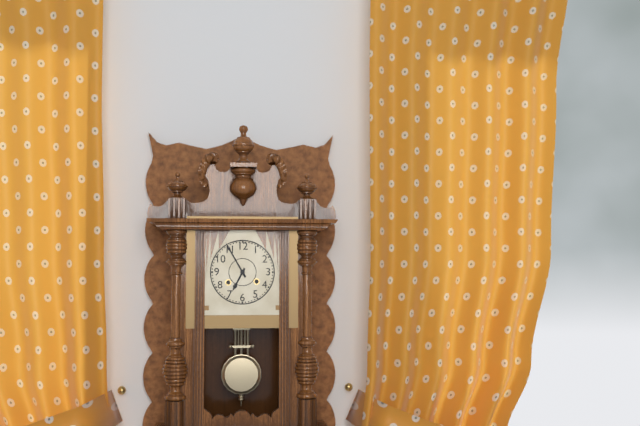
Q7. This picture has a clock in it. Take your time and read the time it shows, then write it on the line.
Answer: 6:55
